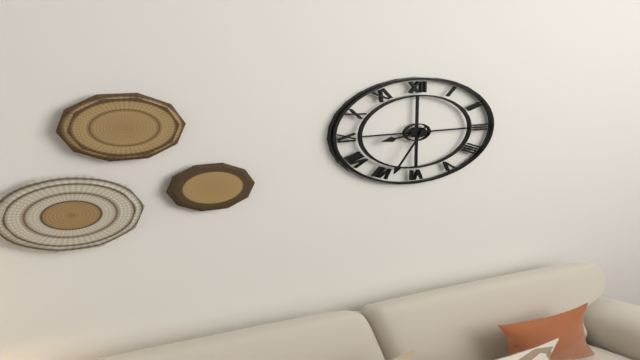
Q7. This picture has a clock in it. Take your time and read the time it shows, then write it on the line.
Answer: 8:34
